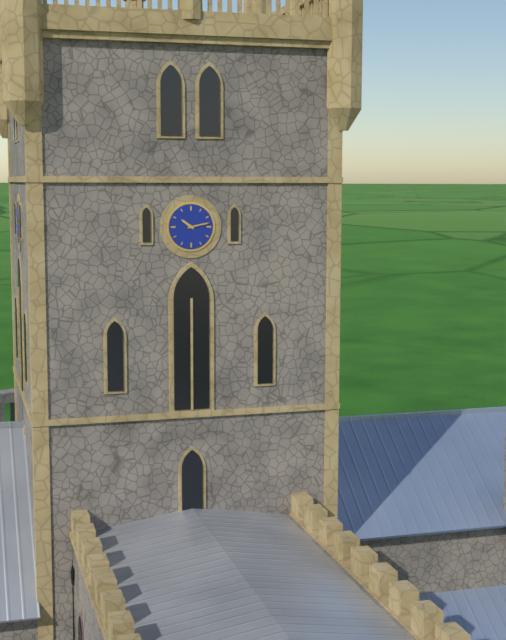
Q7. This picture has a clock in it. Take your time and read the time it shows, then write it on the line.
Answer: 10:13
